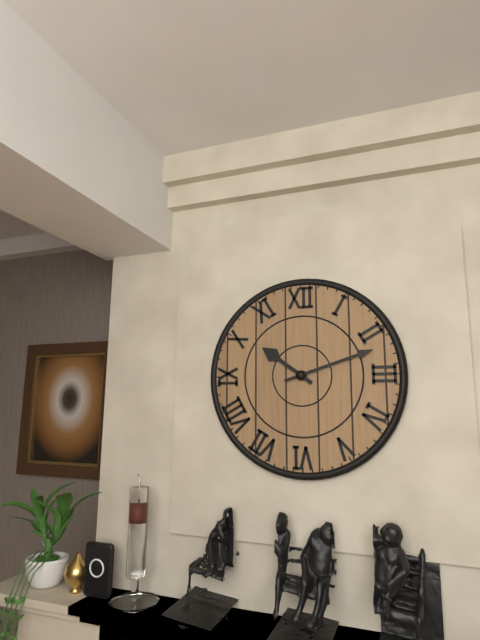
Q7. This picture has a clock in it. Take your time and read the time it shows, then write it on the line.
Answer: 10:12
